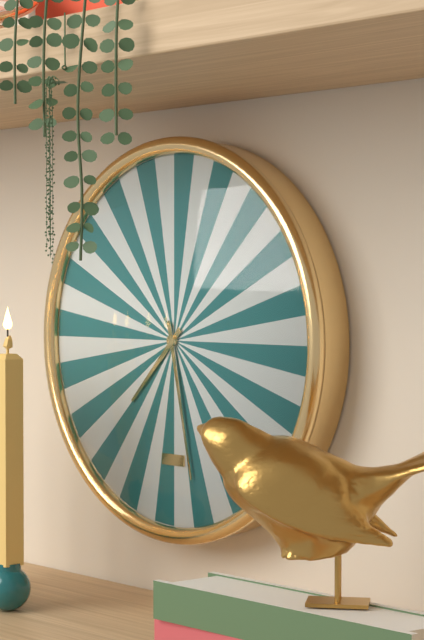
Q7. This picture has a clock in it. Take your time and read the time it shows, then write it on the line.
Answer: 7:28
